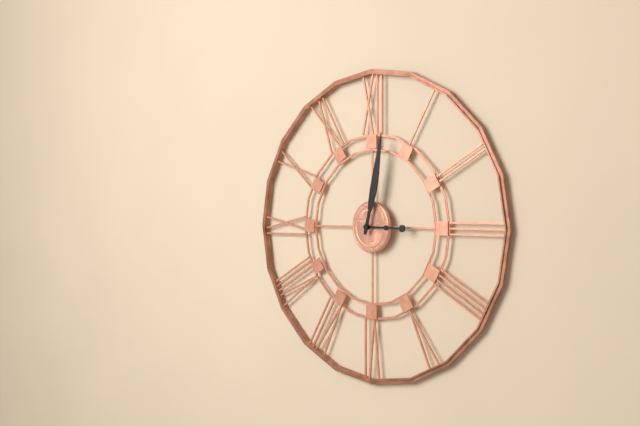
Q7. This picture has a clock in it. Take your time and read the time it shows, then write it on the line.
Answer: 3:02
